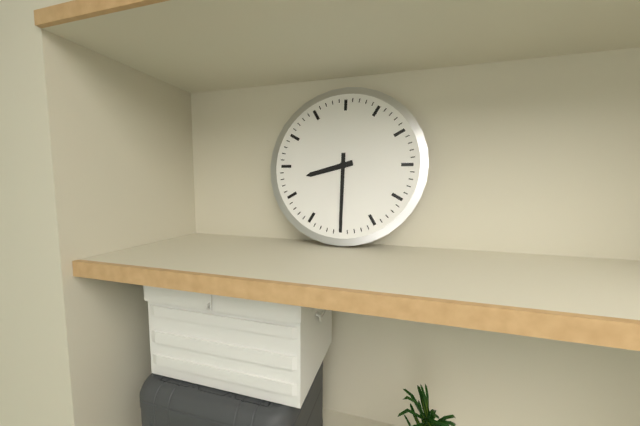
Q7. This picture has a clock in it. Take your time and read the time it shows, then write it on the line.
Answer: 8:30
